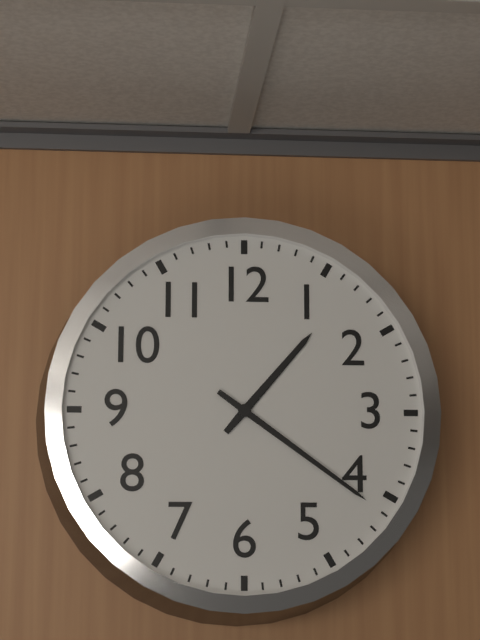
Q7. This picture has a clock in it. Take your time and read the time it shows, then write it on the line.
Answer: 1:21
